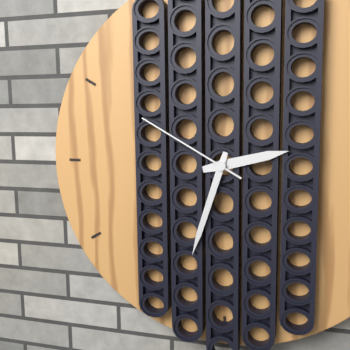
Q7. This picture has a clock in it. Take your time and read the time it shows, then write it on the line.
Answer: 2:33:50
